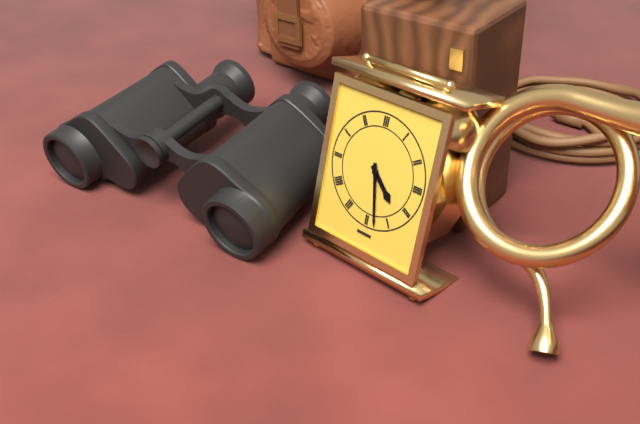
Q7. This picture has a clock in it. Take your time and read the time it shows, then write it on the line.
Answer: 4:28
